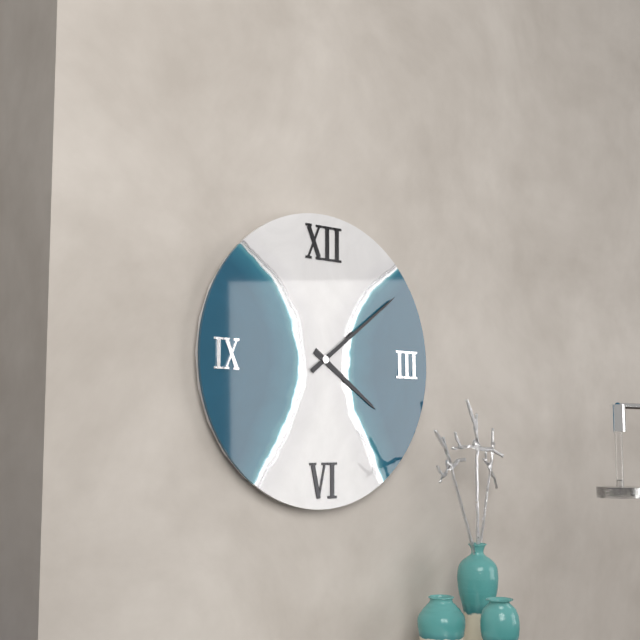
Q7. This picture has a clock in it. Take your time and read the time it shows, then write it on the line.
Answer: 4:09
